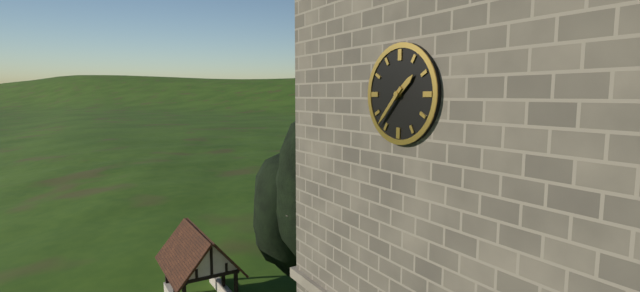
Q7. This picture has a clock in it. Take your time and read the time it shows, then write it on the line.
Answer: 1:37
